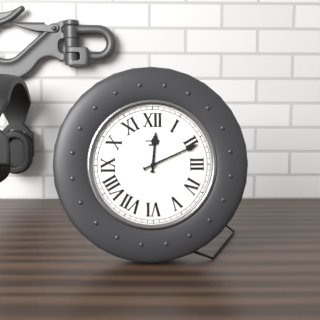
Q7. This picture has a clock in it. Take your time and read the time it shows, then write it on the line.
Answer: 12:11
